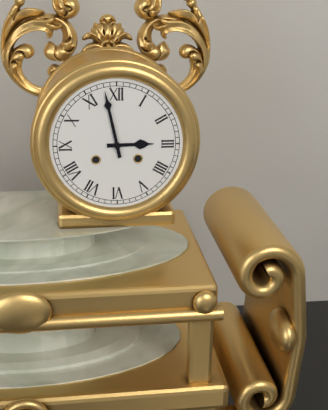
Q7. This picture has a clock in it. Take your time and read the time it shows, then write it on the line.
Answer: 2:58
